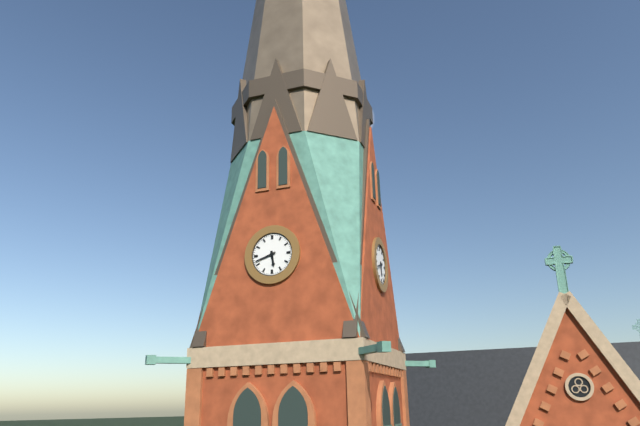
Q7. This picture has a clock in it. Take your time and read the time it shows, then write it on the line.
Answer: 5:42
